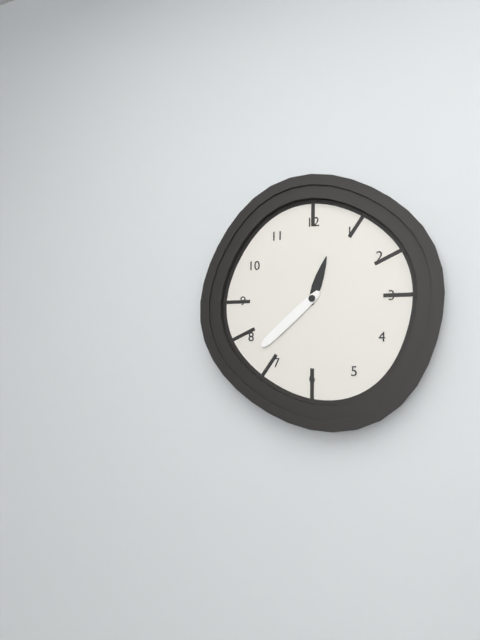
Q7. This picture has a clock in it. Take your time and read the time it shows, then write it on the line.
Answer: 12:38
